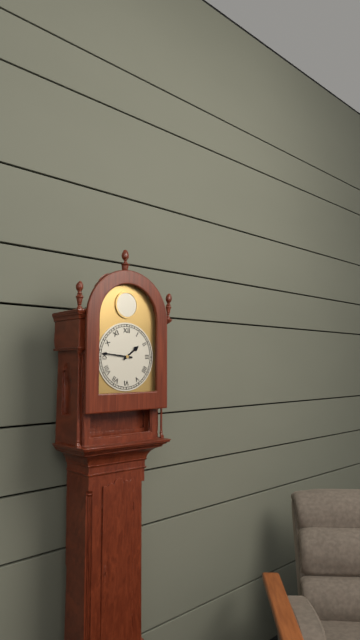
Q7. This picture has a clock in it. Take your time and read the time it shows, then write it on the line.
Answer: 1:46
